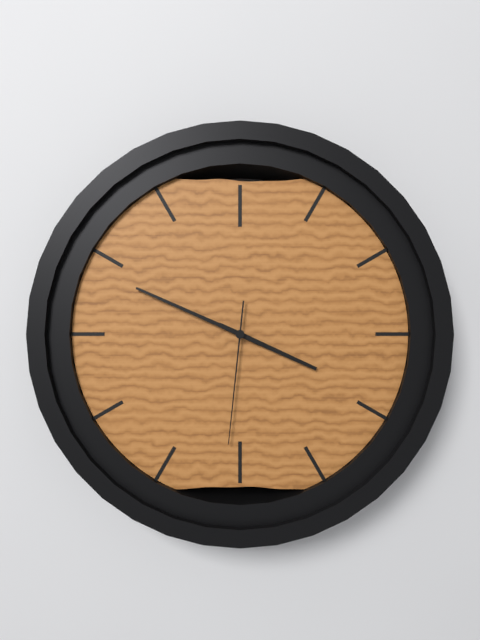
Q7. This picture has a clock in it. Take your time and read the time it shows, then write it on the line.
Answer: 3:49:31
